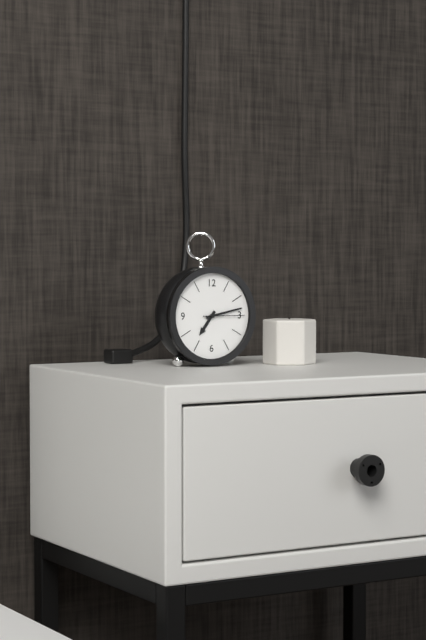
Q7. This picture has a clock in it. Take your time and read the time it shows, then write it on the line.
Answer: 7:13
